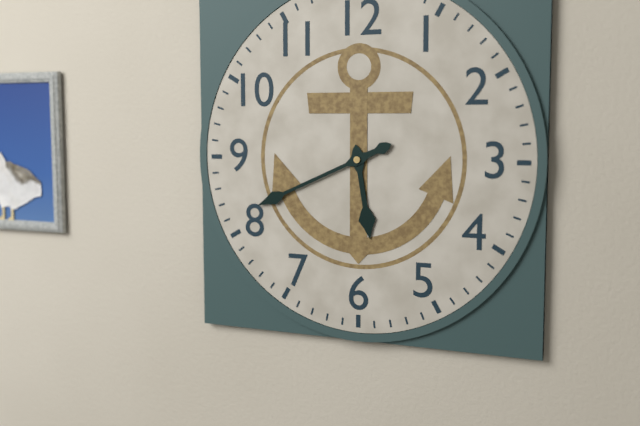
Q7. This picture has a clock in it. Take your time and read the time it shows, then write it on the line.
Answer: 5:41
